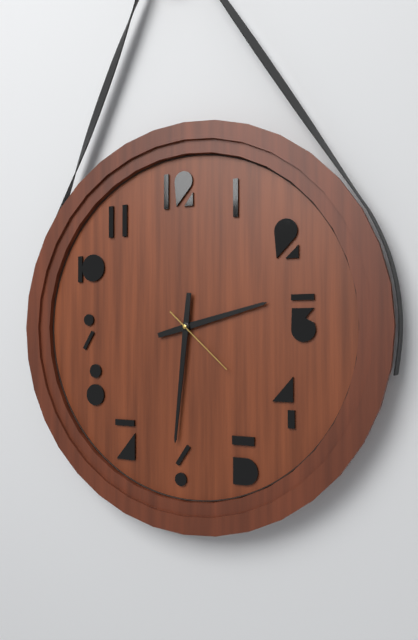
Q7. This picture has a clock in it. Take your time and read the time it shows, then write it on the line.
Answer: 2:31:22
